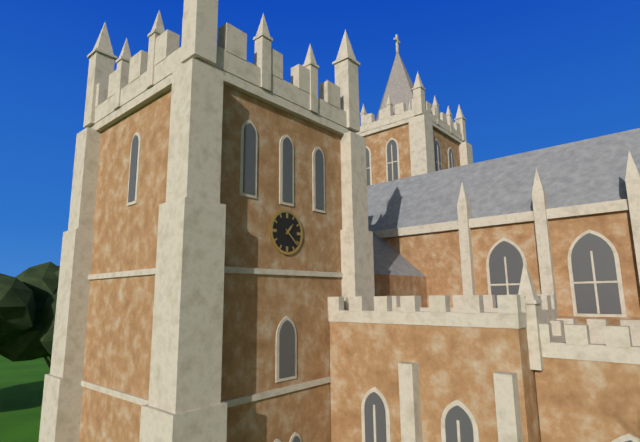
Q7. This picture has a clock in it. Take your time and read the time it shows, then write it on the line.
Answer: 1:22
